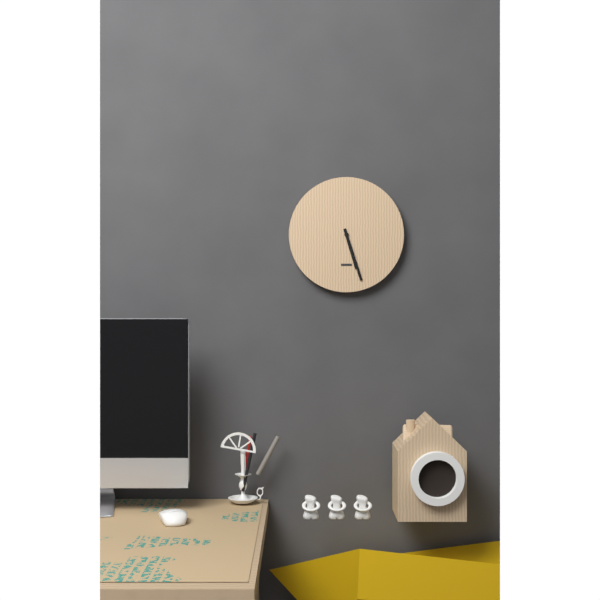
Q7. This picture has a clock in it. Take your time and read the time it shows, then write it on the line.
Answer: 5:27
